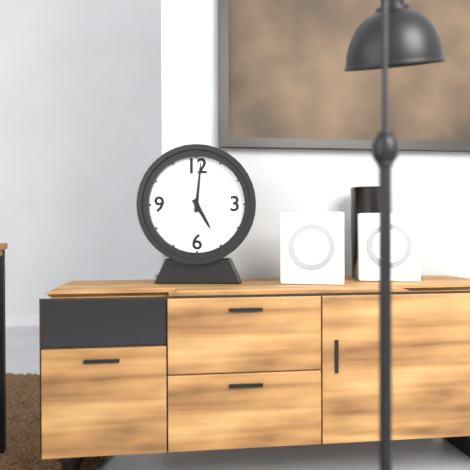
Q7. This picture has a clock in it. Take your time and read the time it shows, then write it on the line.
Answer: 5:01
